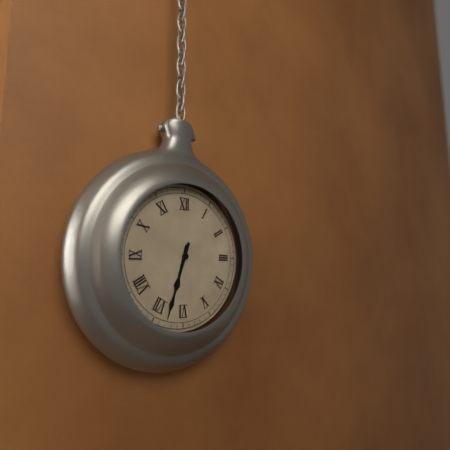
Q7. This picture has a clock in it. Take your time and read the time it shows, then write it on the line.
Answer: 6:33
